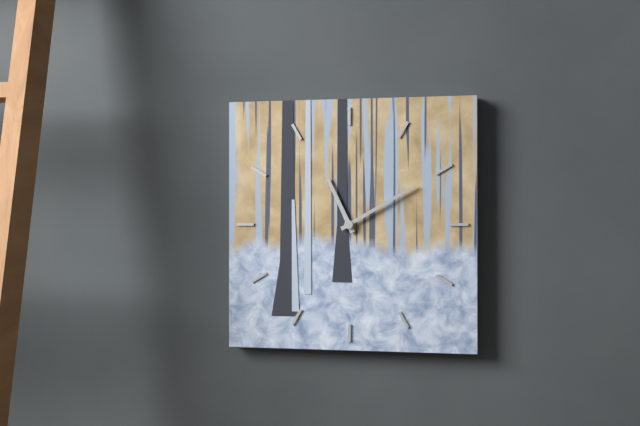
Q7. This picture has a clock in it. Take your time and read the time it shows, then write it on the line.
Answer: 11:10
